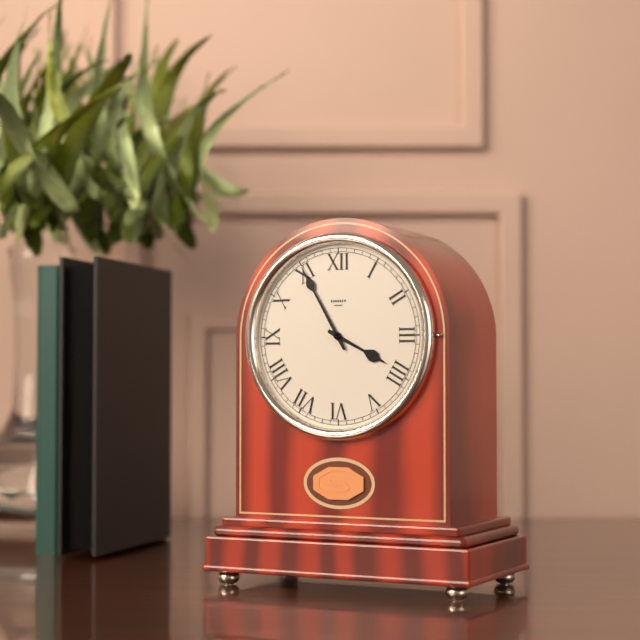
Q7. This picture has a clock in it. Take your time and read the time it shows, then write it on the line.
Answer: 3:55
